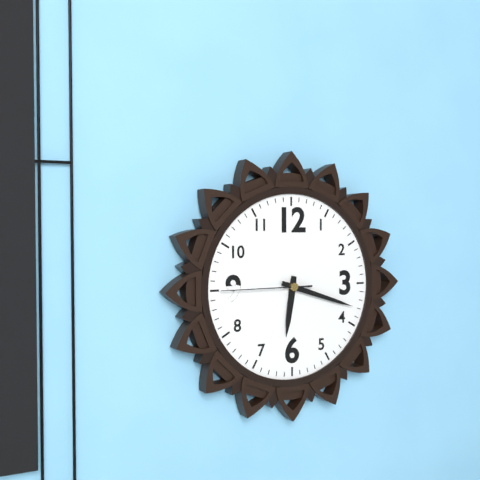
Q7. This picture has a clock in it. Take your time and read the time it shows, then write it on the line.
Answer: 6:18:45
